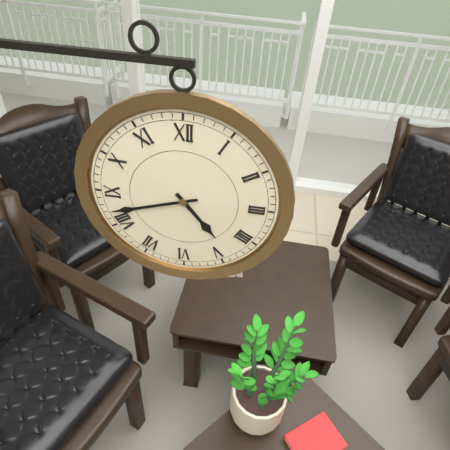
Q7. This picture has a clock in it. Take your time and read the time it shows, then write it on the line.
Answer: 4:42
